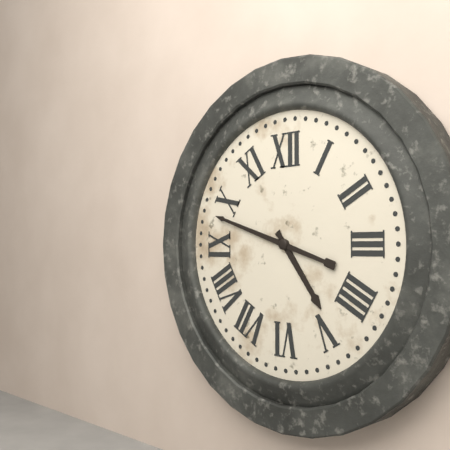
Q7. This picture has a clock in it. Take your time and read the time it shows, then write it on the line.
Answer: 4:48
